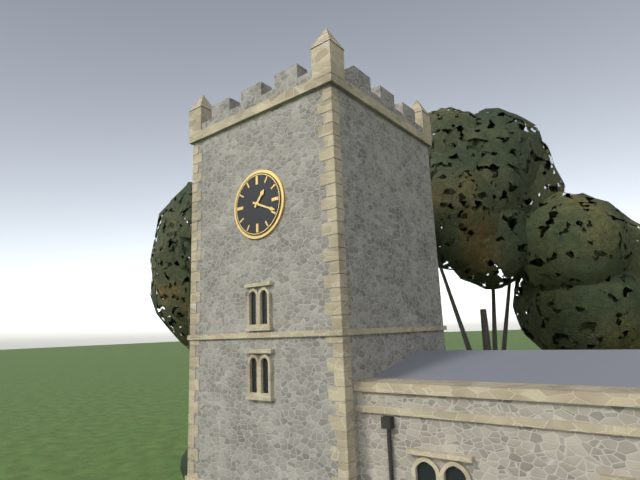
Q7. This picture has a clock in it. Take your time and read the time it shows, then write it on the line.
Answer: 1:19
